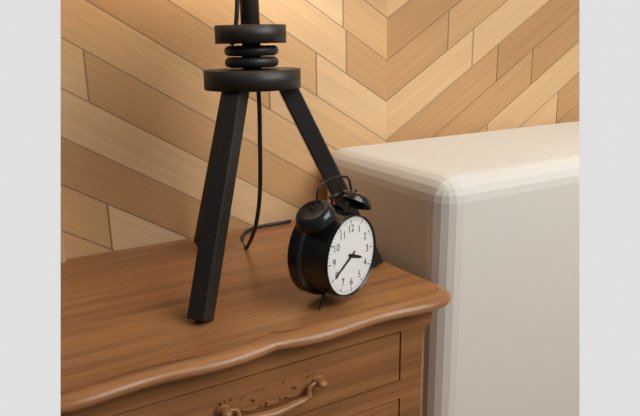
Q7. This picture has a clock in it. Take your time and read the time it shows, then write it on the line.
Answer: 3:40
